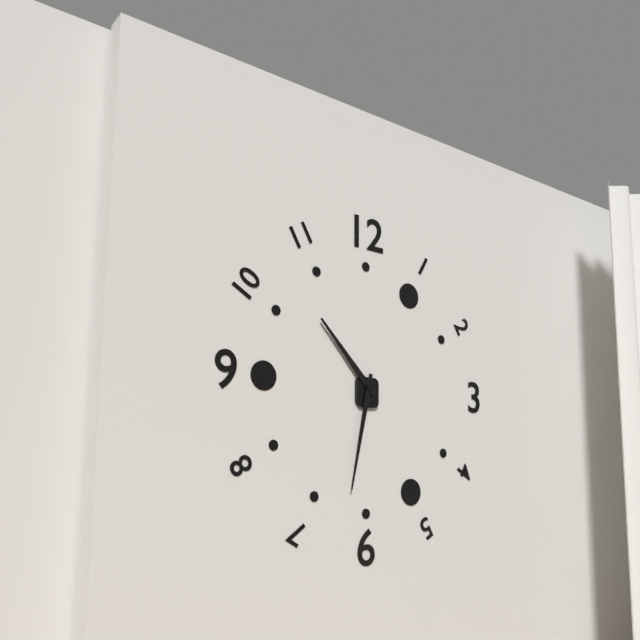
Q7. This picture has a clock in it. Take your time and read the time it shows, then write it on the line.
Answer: 10:32
